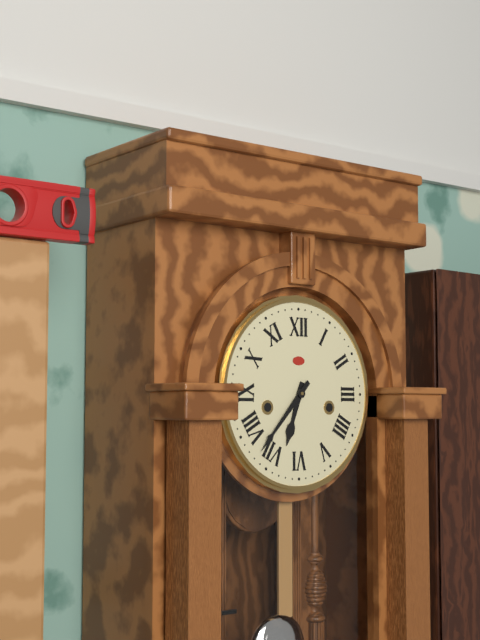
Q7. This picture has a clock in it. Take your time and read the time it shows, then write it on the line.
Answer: 6:37
